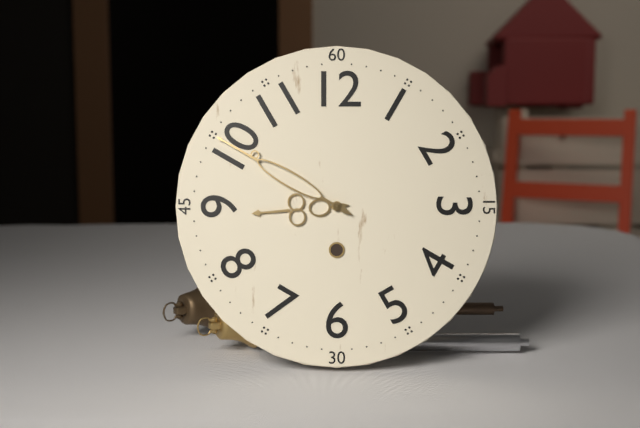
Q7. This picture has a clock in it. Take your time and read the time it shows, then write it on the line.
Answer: 8:50
